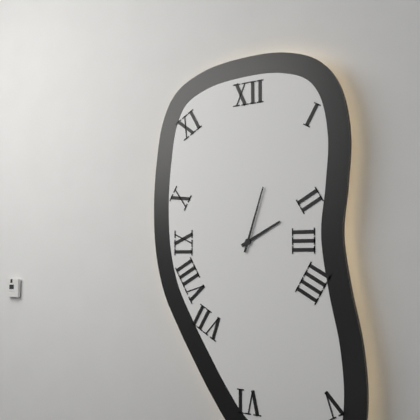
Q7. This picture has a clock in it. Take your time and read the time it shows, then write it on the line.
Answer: 2:03
